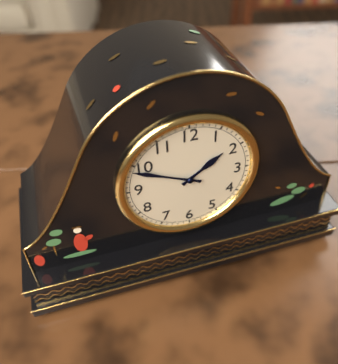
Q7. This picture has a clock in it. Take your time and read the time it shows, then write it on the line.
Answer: 1:49
